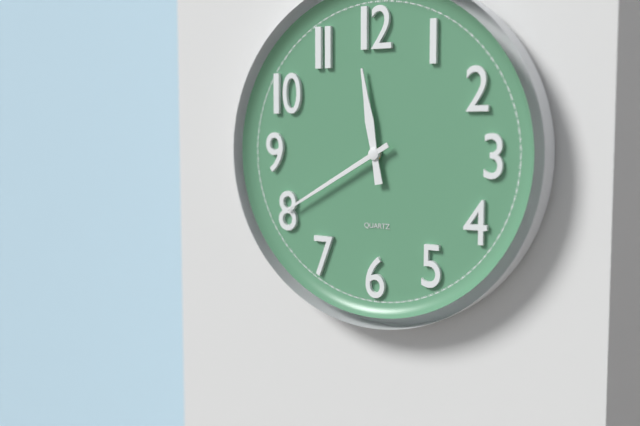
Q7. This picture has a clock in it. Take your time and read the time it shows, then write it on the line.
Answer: 11:40
